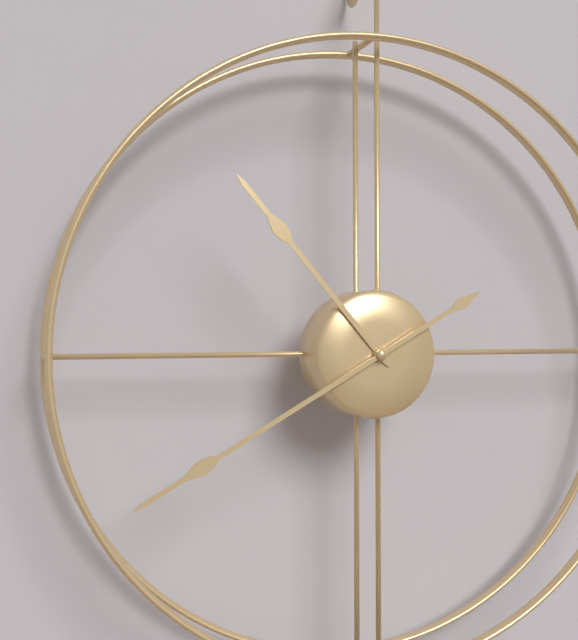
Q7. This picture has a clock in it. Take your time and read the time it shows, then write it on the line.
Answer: 10:40
